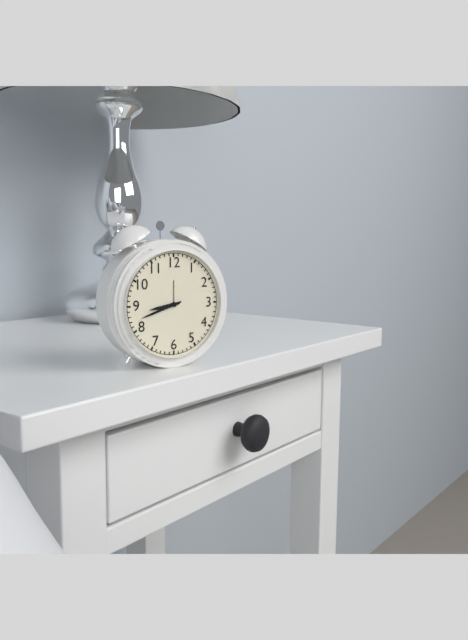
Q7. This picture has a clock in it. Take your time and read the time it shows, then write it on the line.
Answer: 8:42
